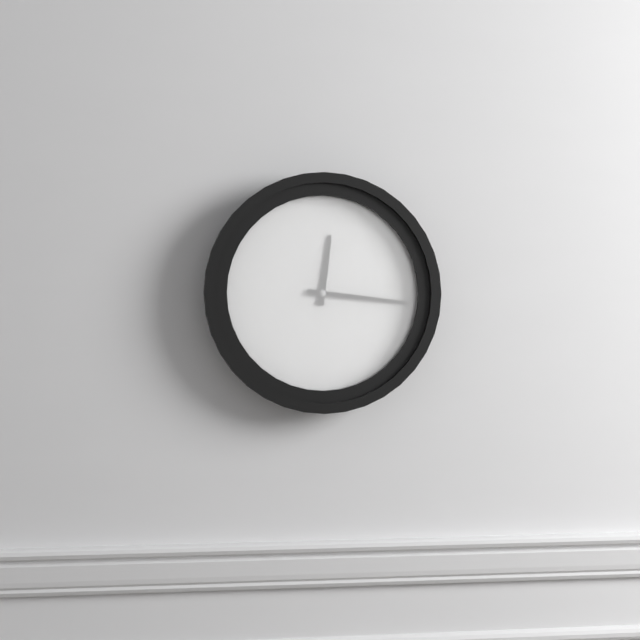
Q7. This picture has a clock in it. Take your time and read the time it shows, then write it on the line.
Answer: 12:16
